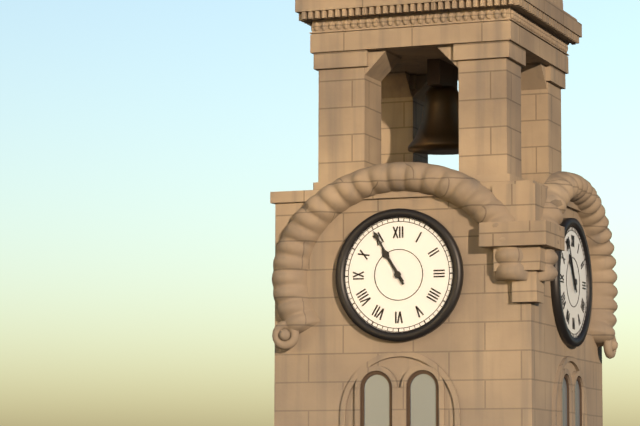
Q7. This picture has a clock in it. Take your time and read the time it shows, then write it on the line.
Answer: 10:55
